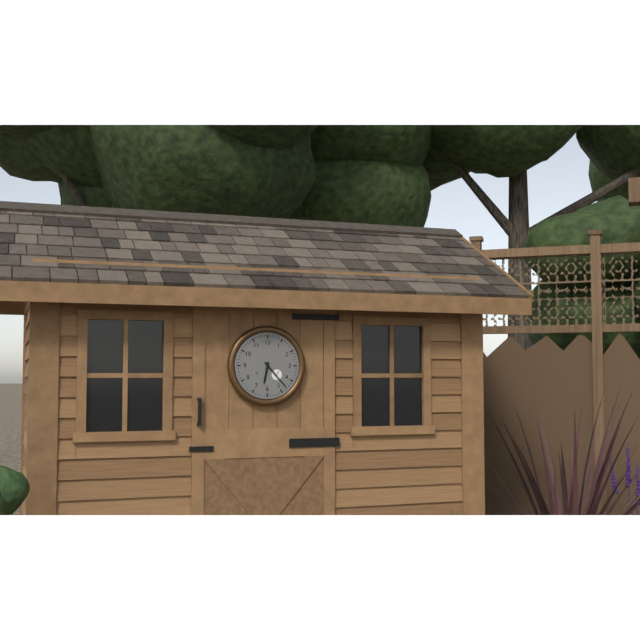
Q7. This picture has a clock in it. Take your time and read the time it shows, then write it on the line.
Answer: 6:23
